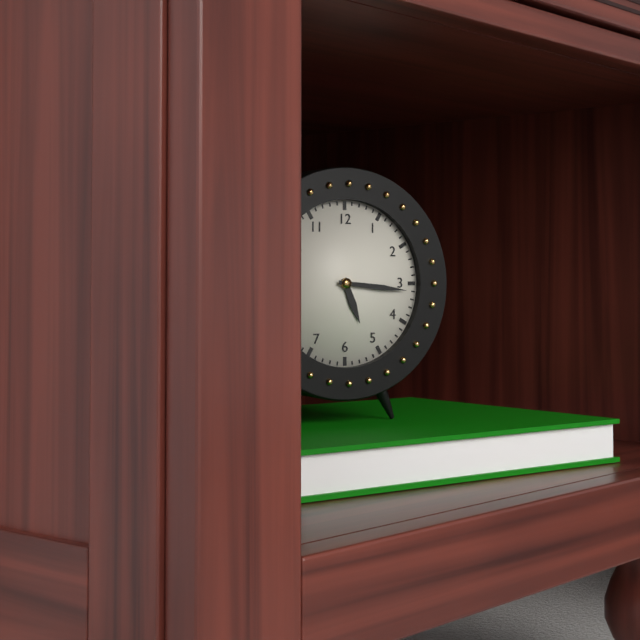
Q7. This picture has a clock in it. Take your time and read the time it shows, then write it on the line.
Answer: 5:16
